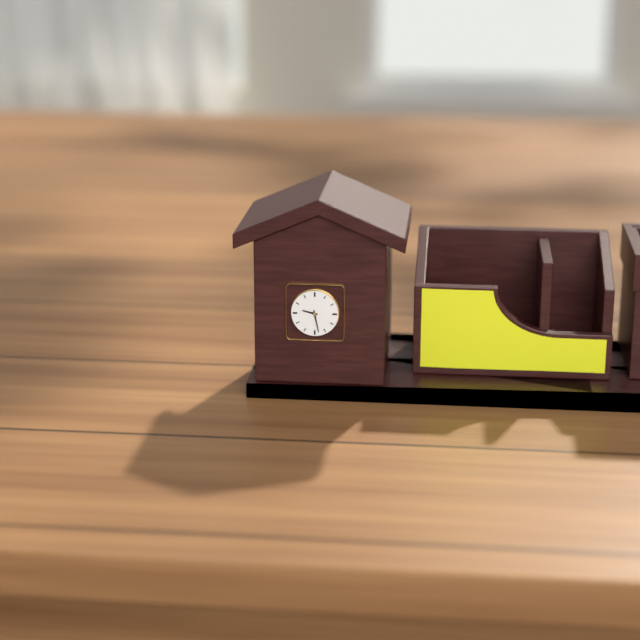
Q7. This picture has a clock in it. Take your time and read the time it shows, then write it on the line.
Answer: 9:28
